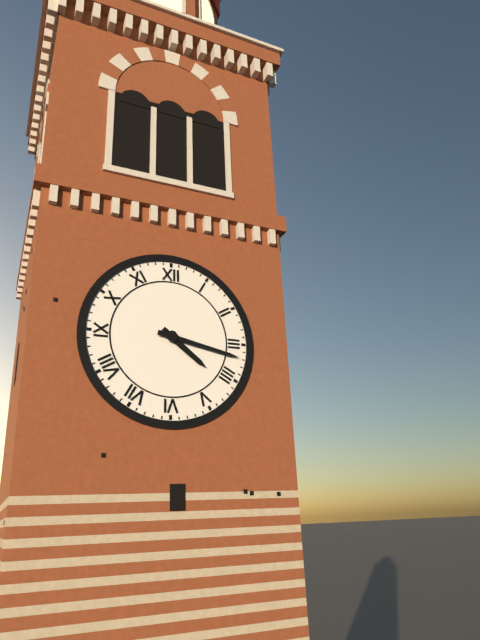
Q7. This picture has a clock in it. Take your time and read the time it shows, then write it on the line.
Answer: 4:17
